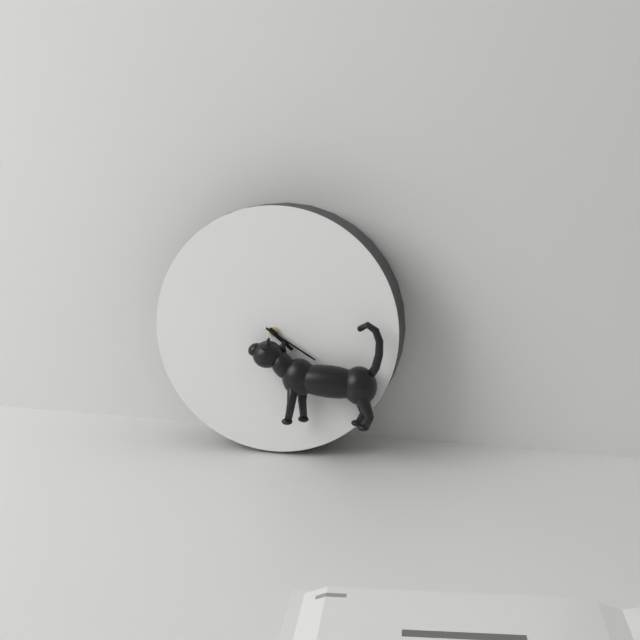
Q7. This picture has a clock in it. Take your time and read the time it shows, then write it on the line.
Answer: 4:20
